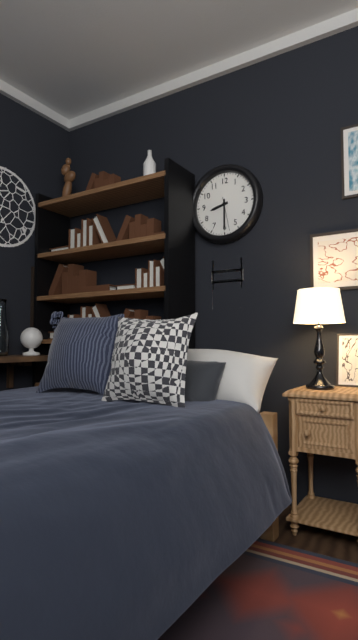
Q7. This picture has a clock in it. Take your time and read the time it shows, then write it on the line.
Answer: 8:30
